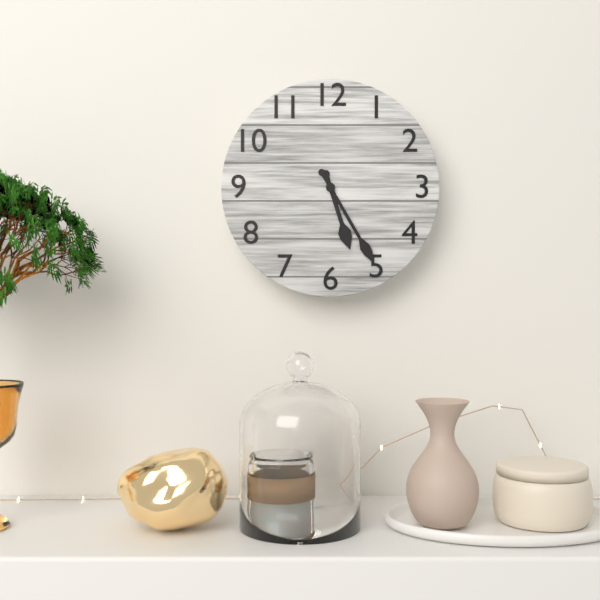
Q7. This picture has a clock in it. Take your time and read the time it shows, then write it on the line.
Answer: 5:25
